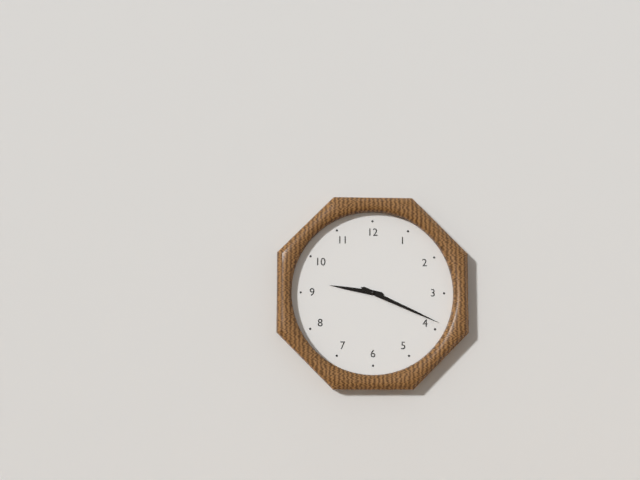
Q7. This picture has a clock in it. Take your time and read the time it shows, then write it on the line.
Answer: 9:19
